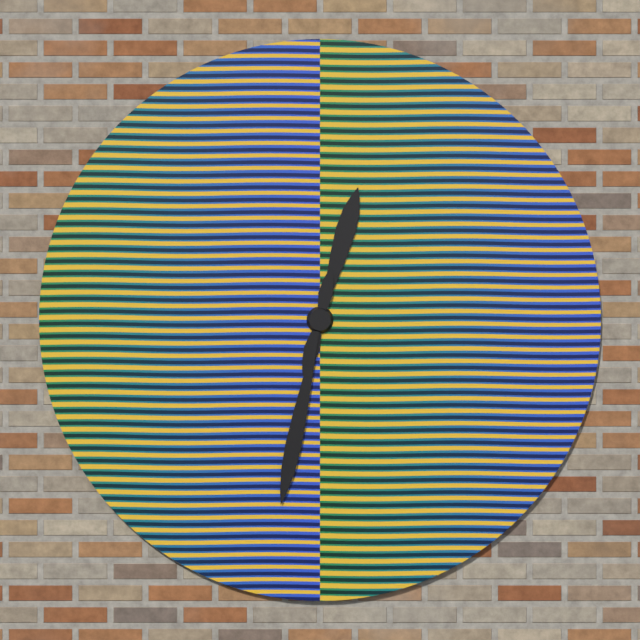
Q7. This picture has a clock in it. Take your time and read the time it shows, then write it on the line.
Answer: 12:32
